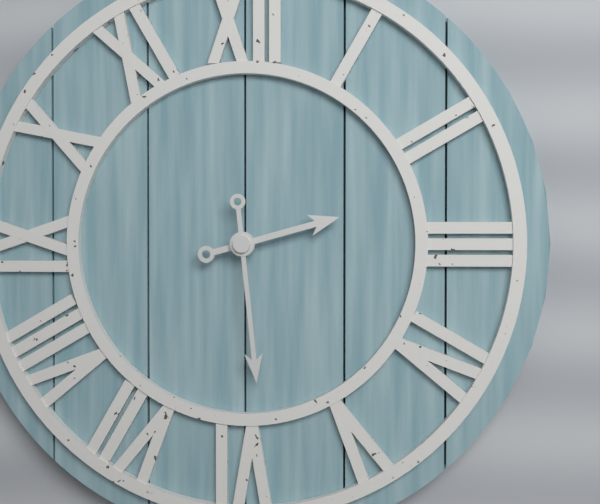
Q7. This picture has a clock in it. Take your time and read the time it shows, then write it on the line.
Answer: 2:29
